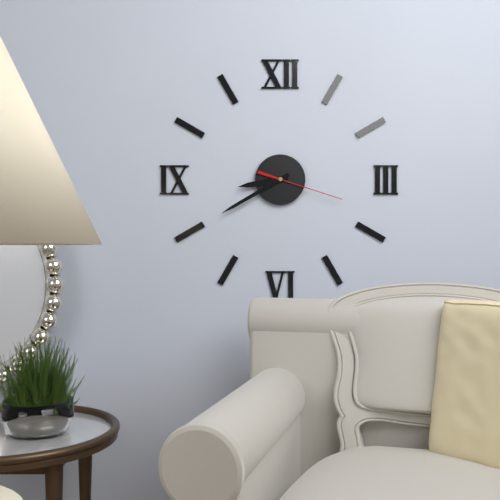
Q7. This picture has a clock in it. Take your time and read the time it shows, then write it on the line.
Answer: 8:40:18
